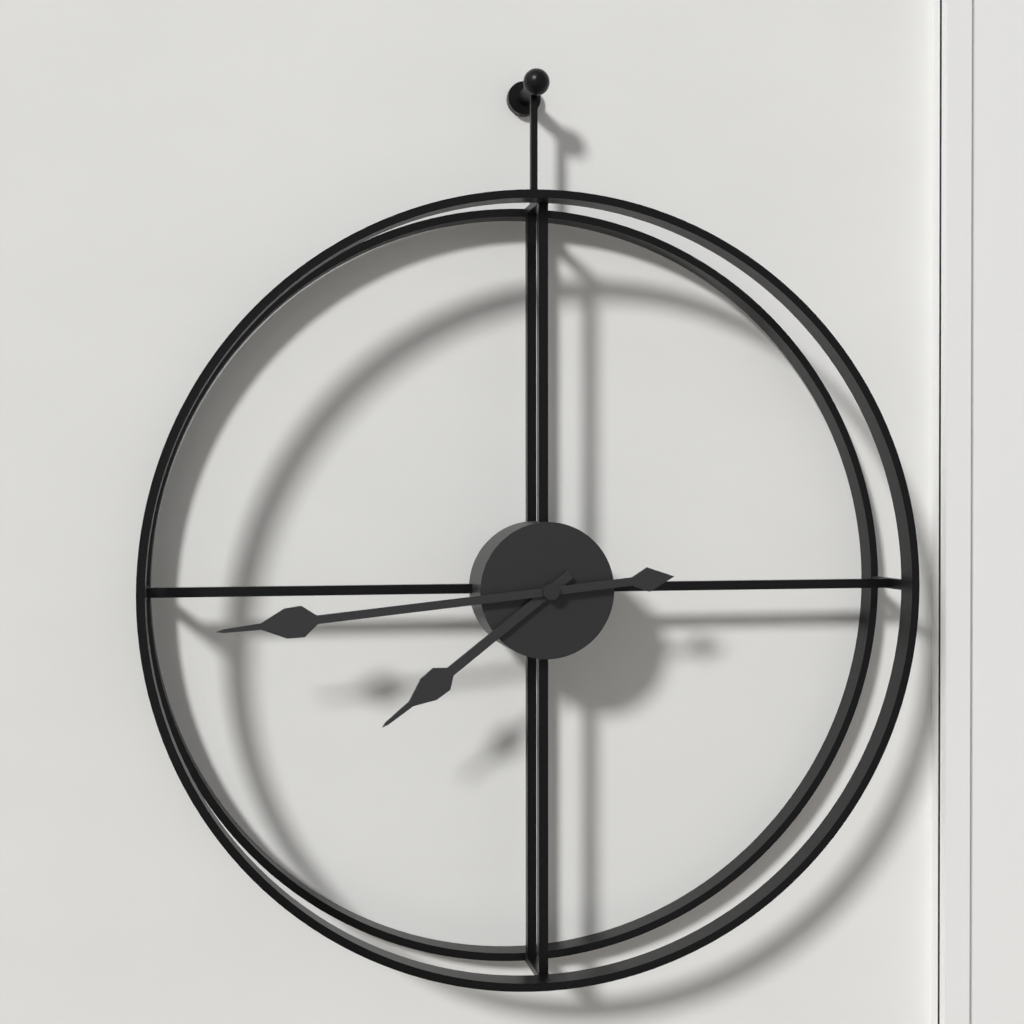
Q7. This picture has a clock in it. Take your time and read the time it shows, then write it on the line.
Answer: 7:44
